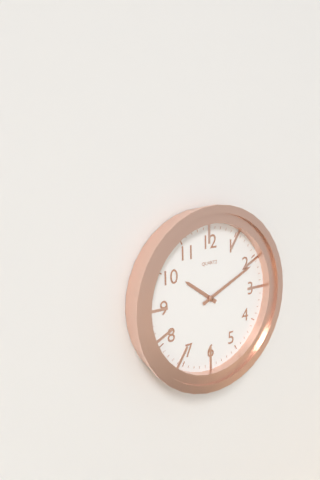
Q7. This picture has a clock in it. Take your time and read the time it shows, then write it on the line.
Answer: 10:11
